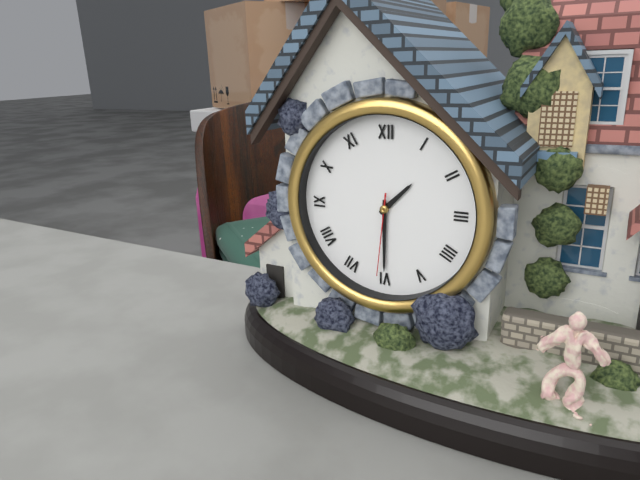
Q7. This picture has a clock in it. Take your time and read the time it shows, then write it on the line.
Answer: 1:30:31
